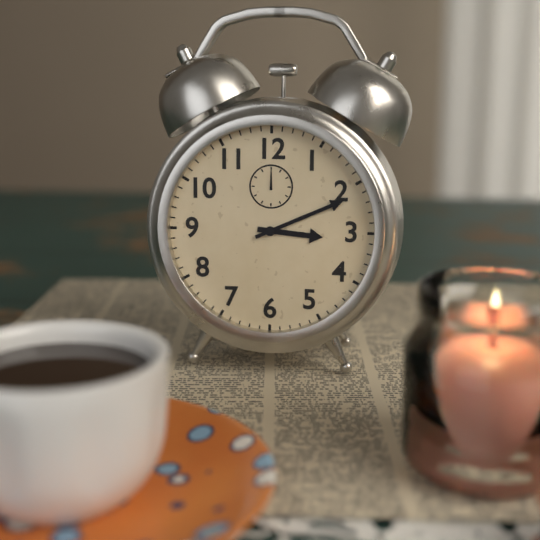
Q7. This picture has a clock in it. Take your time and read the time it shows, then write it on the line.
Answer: 3:11
